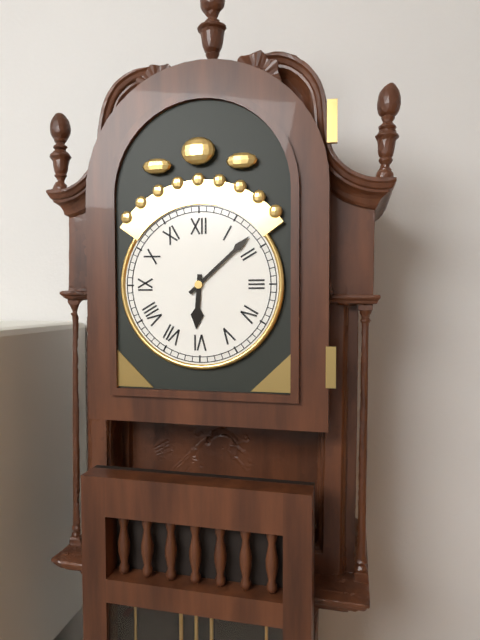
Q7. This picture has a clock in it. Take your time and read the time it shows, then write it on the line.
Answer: 6:08
